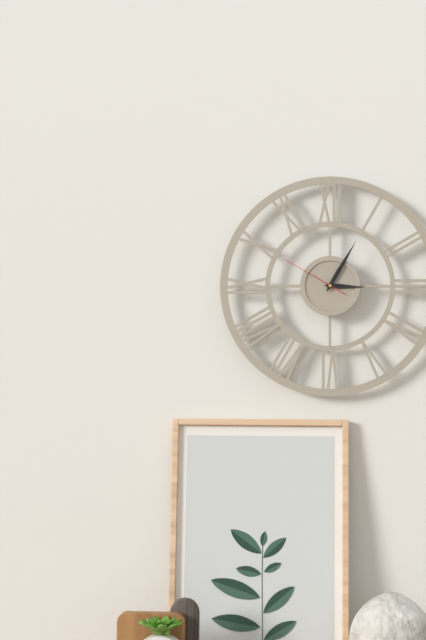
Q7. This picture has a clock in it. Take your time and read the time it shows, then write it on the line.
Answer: 3:05:50
